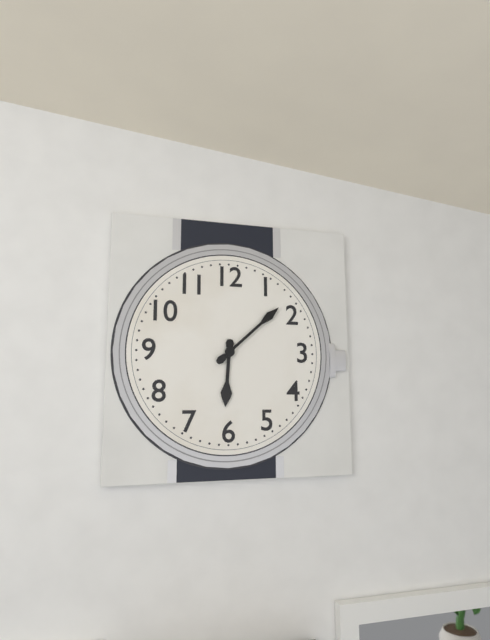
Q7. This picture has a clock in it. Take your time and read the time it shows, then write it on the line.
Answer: 6:08
